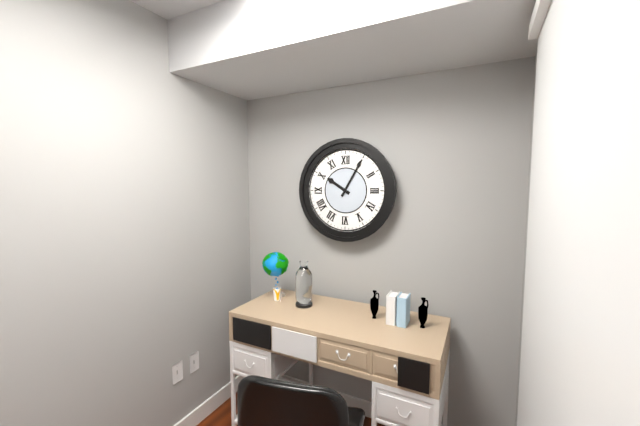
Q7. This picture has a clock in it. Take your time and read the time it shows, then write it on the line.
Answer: 10:05
